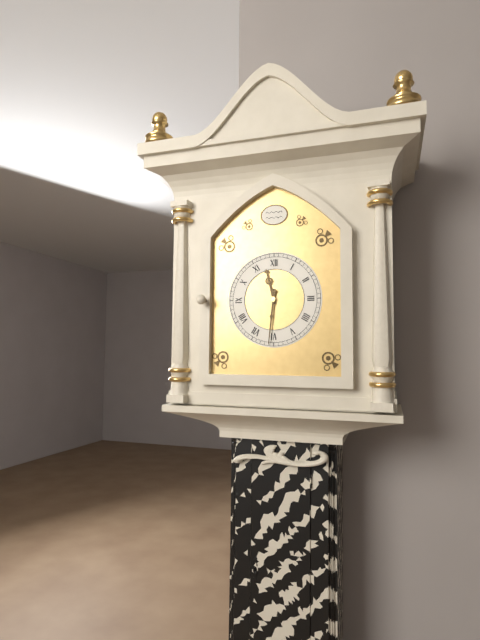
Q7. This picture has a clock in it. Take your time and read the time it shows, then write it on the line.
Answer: 11:31
